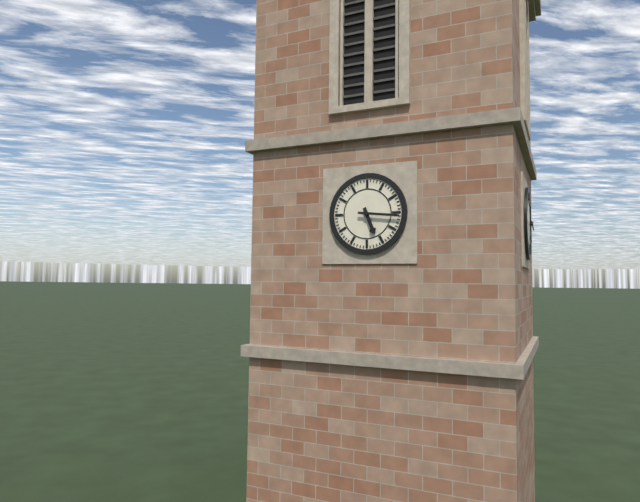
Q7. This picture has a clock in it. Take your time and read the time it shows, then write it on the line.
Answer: 5:16
